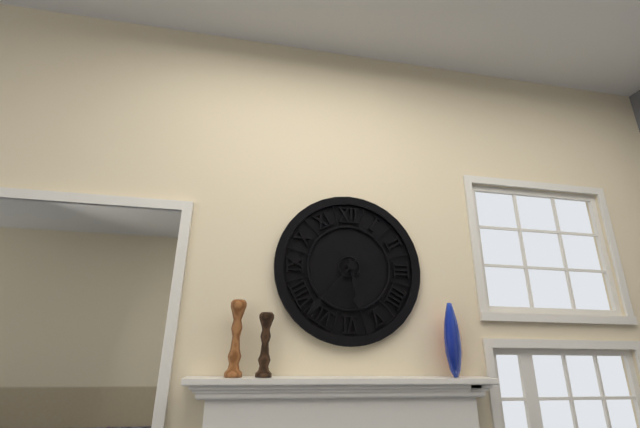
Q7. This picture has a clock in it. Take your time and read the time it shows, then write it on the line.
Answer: 5:37
